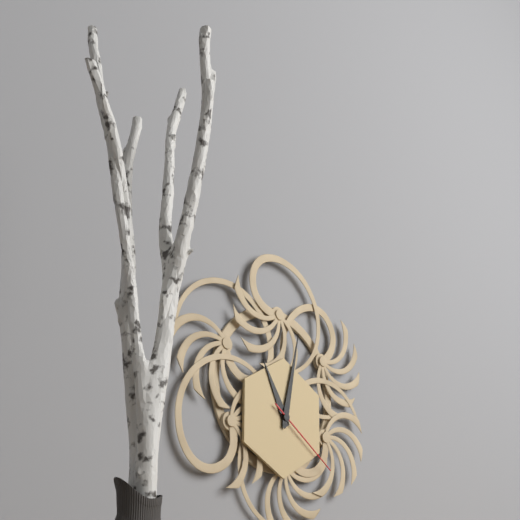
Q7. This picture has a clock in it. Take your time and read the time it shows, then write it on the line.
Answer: 11:02:21
